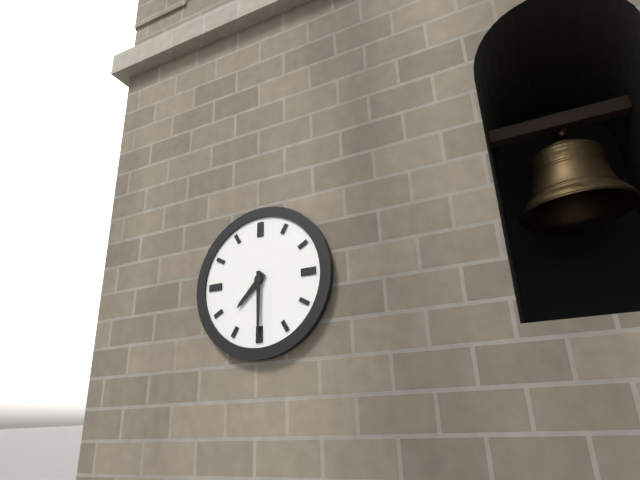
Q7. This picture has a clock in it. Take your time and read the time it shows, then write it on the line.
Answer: 7:30
